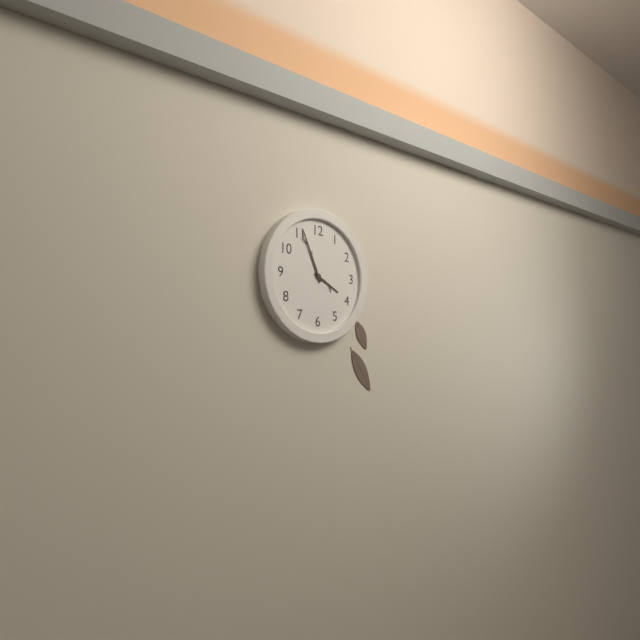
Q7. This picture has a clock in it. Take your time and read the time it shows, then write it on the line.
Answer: 3:56
